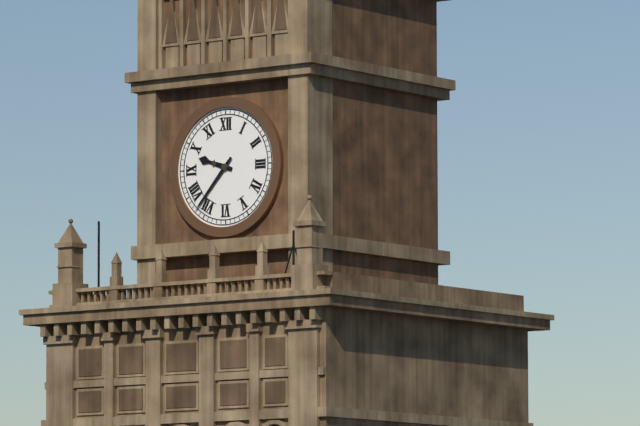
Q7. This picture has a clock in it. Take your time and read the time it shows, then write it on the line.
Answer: 9:37
